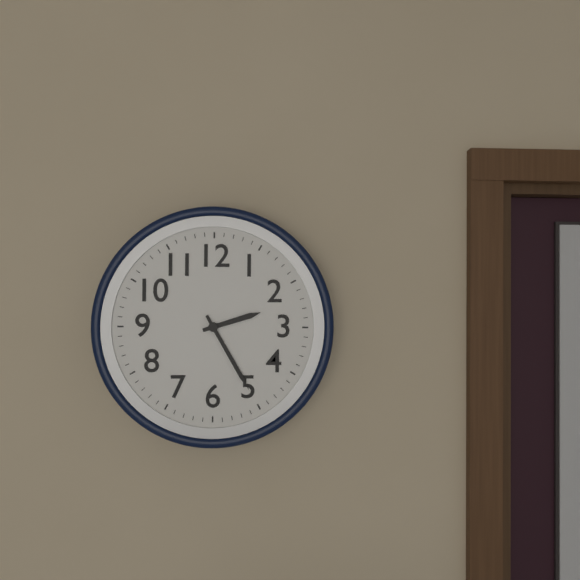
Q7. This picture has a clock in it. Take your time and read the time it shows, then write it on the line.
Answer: 2:25
